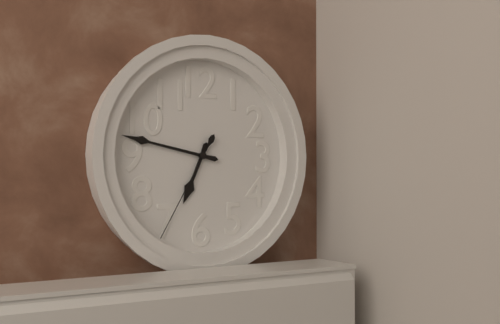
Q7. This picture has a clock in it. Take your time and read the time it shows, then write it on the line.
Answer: 6:47:35
